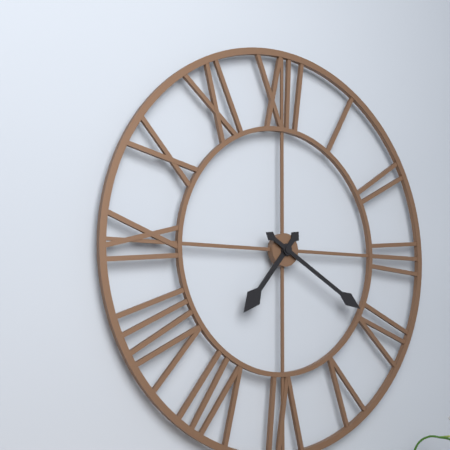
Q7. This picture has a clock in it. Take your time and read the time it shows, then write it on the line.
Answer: 7:20
